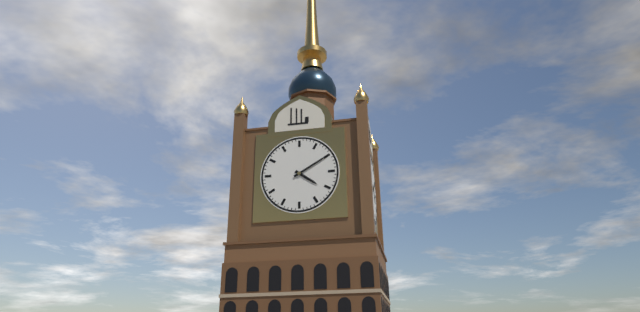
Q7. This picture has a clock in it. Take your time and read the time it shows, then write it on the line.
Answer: 4:10
